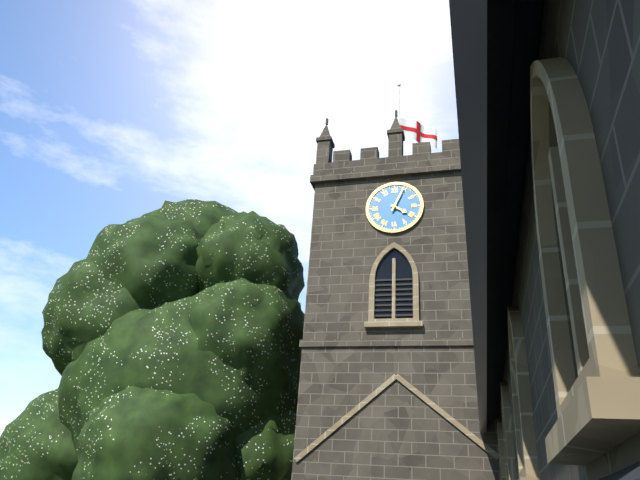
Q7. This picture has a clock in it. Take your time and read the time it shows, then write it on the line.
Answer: 4:04
